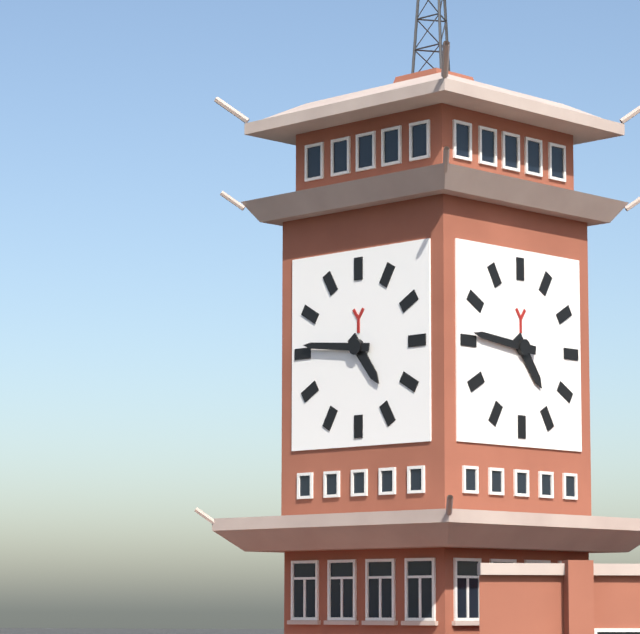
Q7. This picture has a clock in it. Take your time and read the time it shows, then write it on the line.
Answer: 4:46
